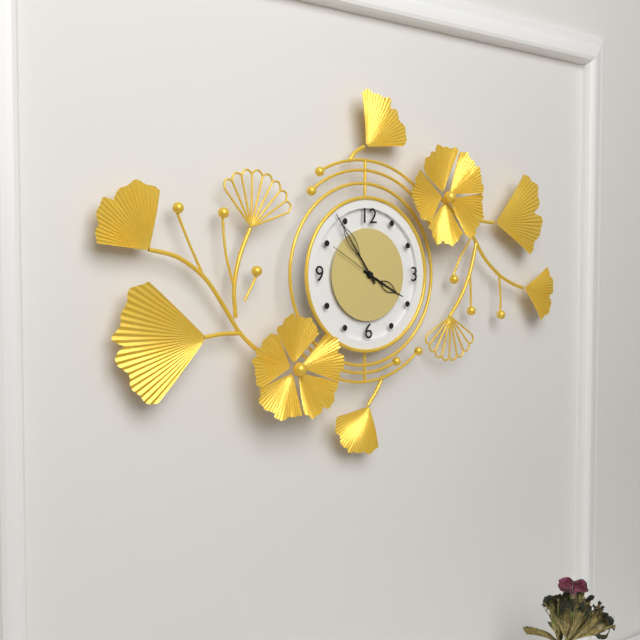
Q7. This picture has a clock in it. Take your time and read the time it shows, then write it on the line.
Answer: 3:54:50
